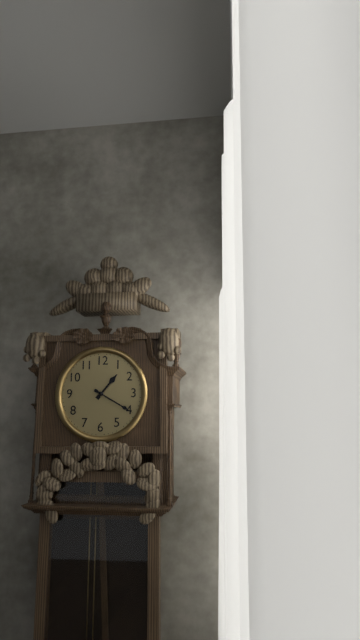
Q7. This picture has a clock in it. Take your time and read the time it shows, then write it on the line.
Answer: 1:20
